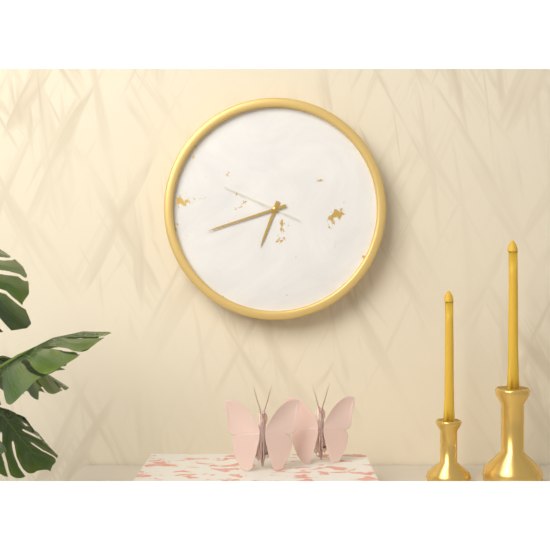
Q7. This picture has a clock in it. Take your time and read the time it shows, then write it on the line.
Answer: 6:42:49
